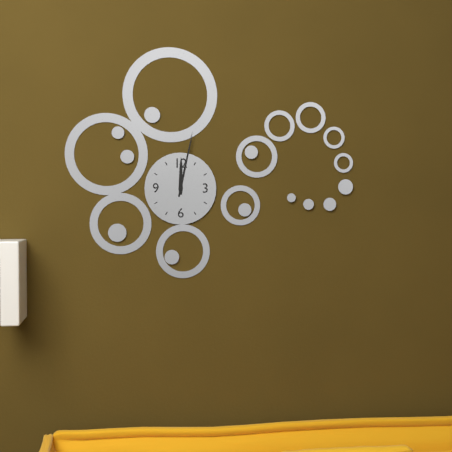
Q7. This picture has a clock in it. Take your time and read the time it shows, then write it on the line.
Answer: 12:02
